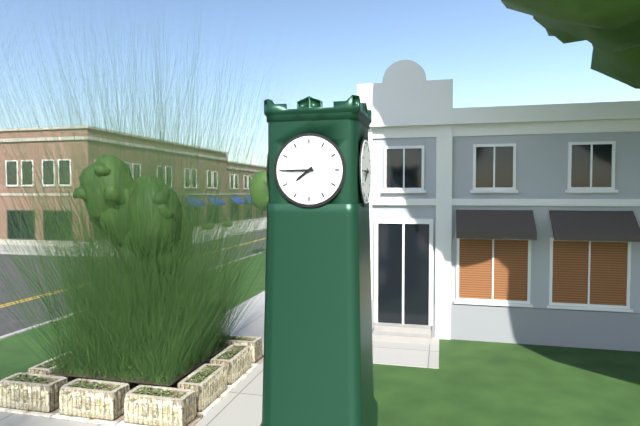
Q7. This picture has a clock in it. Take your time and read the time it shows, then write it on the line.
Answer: 7:45
